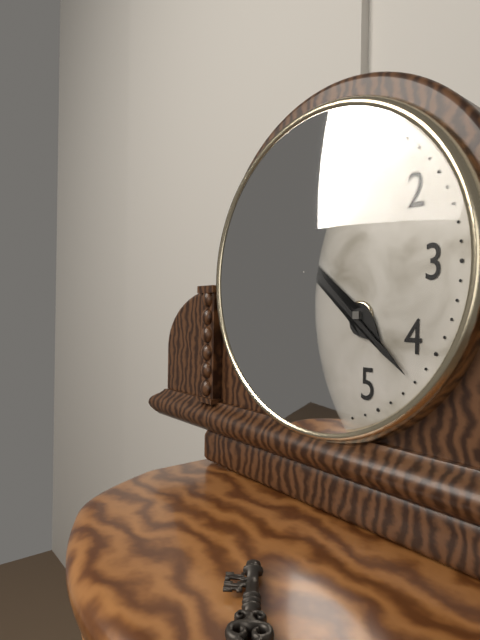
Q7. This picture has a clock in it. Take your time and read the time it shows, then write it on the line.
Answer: 4:22
